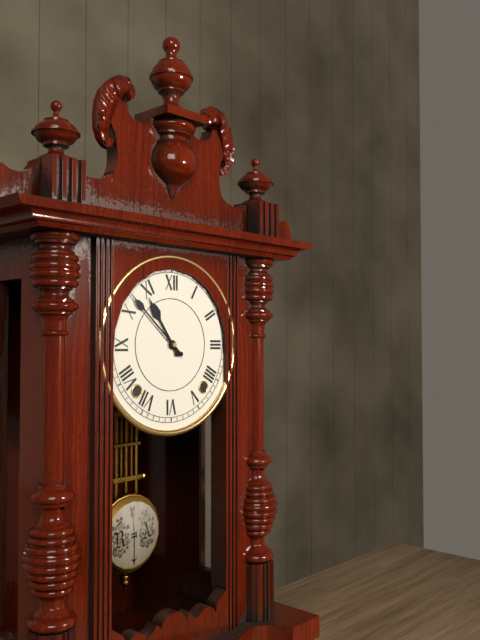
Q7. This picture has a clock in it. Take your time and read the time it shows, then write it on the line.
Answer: 10:52
